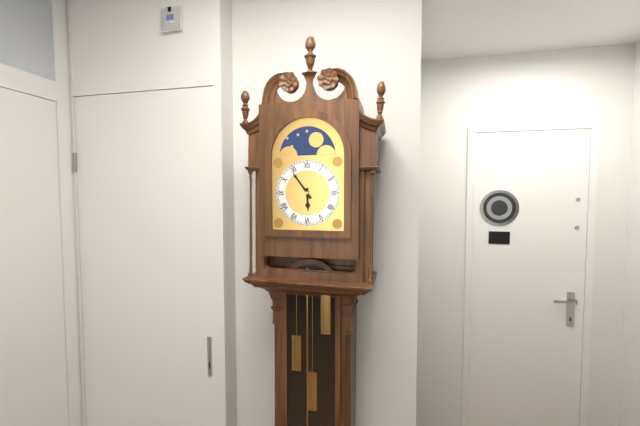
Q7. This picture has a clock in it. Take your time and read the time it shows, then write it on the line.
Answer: 5:54
